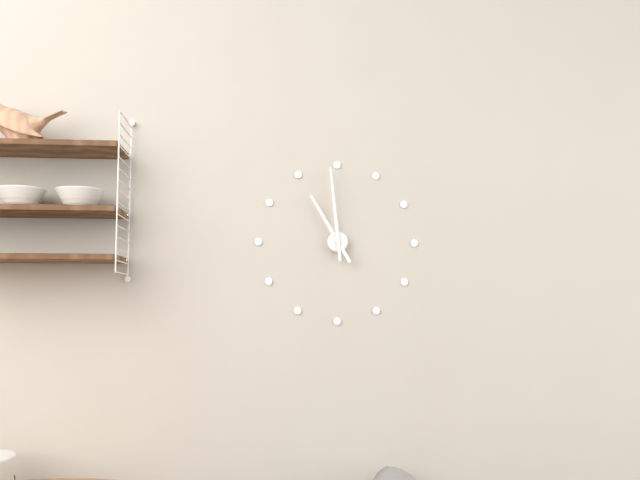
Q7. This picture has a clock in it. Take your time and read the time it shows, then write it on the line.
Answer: 10:59
